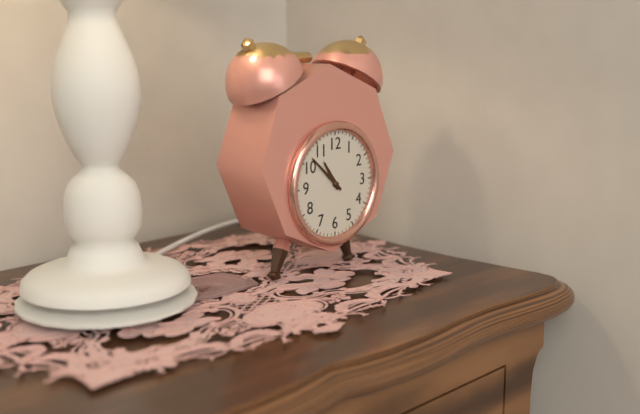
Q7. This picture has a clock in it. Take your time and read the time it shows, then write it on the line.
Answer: 10:52
